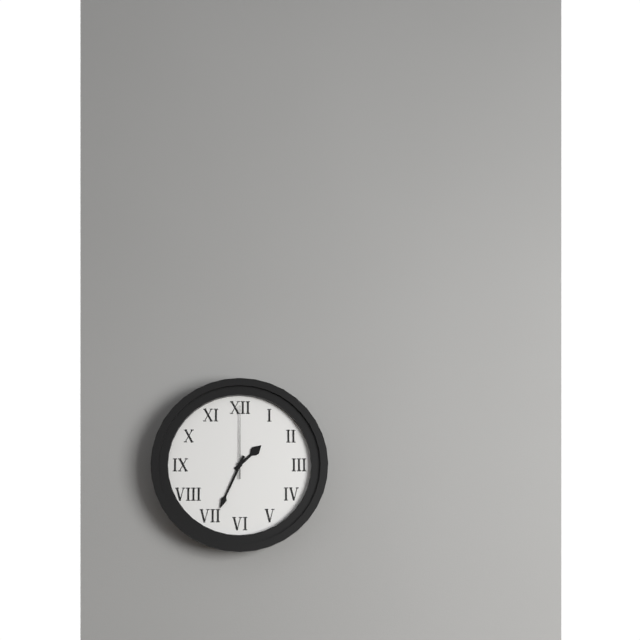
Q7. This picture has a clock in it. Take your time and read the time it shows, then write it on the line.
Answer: 1:34:00
